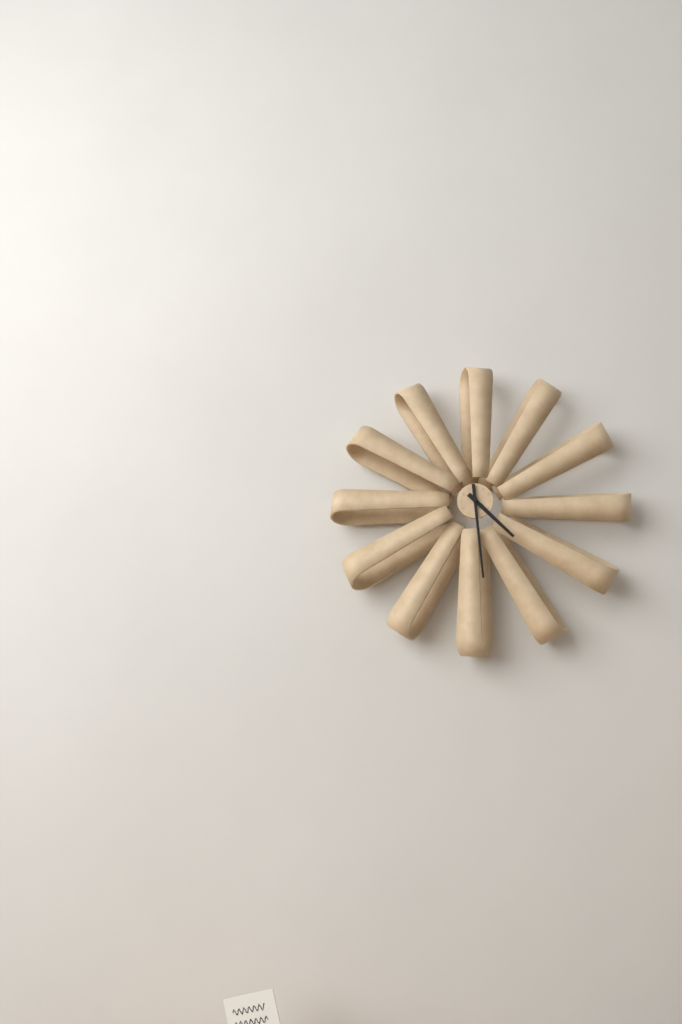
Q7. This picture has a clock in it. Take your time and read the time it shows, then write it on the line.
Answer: 4:29
